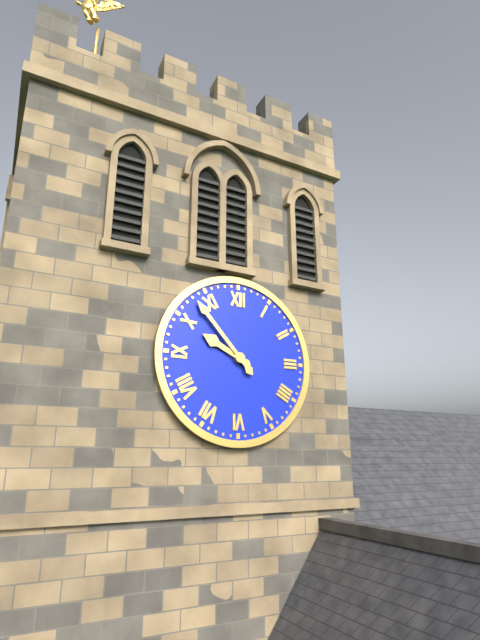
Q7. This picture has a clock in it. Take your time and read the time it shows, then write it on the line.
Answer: 9:53
